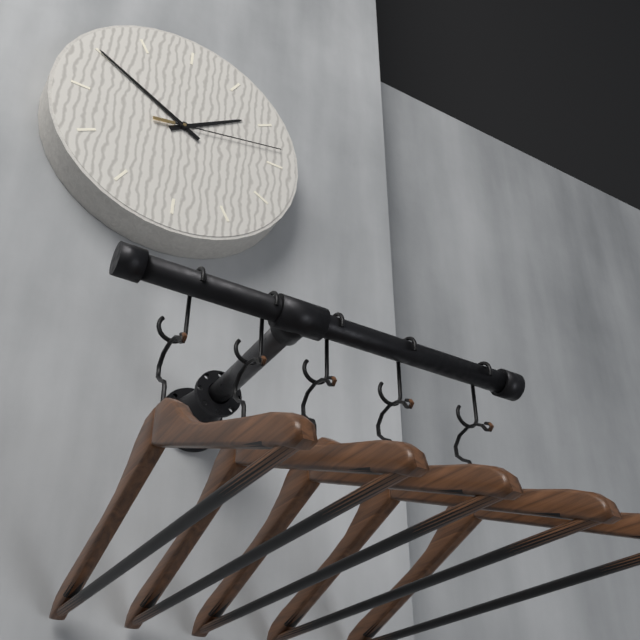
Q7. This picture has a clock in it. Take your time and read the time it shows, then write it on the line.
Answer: 1:50:13
